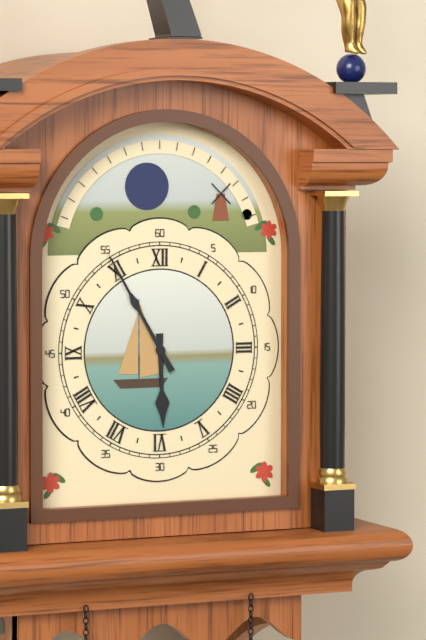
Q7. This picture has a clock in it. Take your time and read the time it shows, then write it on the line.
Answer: 5:55
